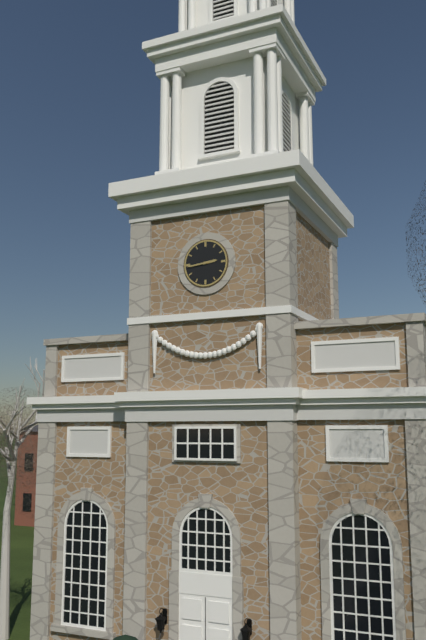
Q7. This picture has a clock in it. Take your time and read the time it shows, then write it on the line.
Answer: 2:44
